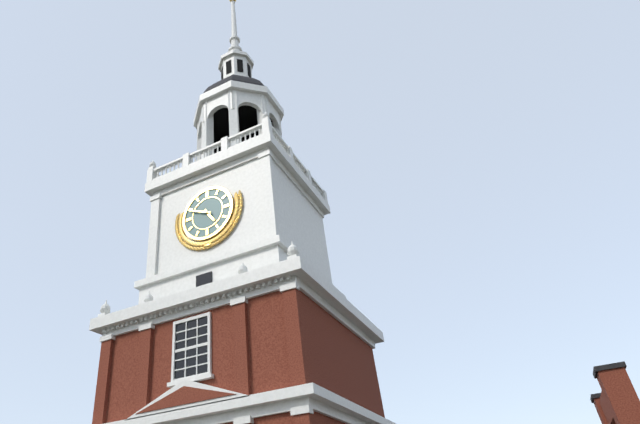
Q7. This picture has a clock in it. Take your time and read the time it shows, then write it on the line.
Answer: 4:49
